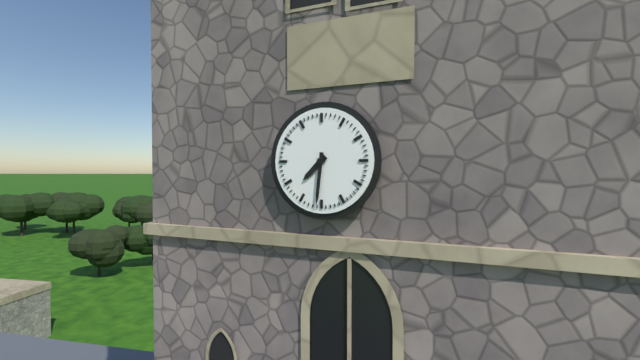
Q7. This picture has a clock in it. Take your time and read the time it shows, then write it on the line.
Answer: 7:31
